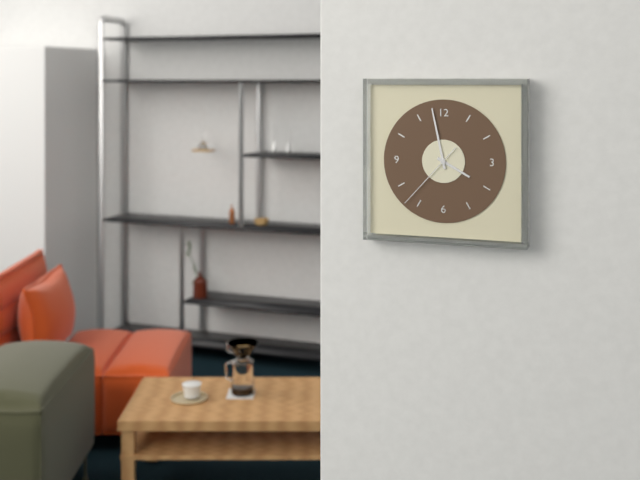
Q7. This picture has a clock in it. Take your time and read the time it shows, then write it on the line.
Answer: 3:58:37
